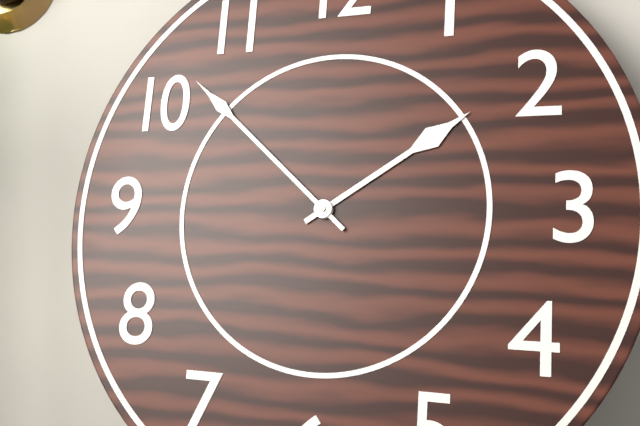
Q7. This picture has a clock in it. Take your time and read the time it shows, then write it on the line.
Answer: 1:52
